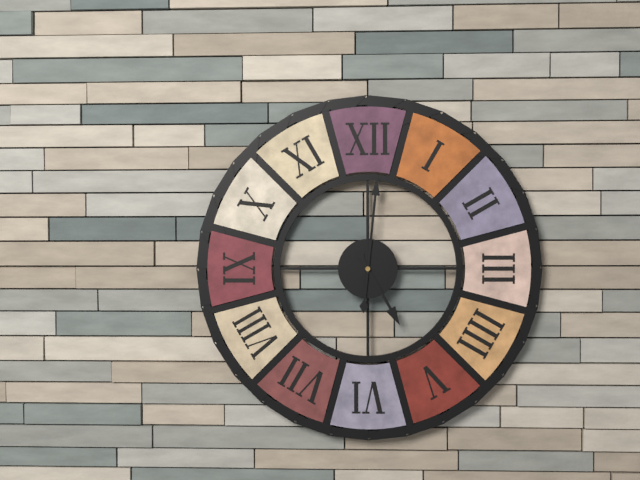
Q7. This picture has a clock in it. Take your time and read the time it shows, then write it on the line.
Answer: 5:01
